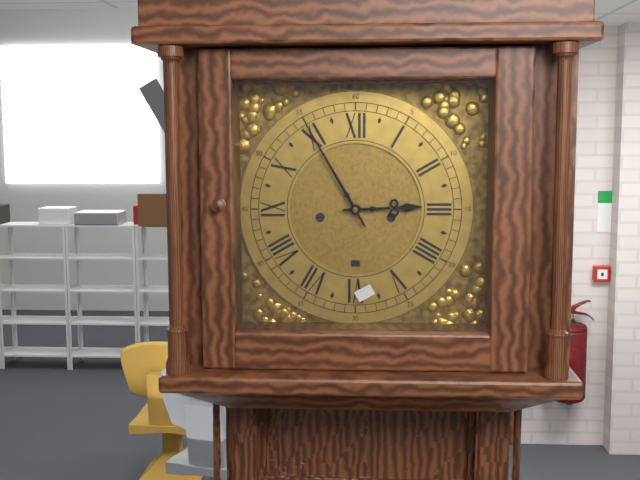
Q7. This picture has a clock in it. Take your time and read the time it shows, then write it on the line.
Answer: 2:55
